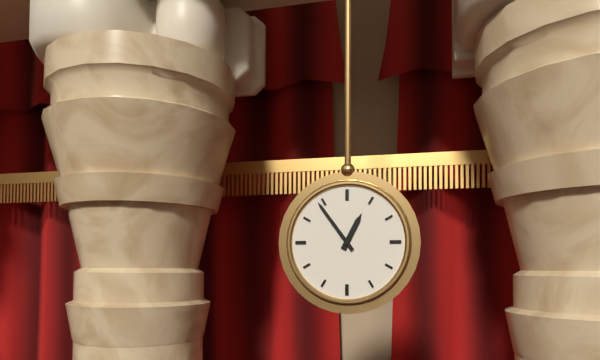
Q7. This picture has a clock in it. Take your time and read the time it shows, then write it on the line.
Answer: 12:54
